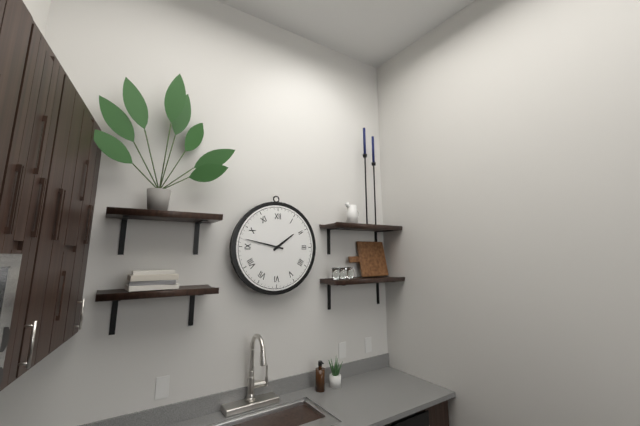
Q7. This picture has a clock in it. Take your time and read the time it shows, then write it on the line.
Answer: 1:47
